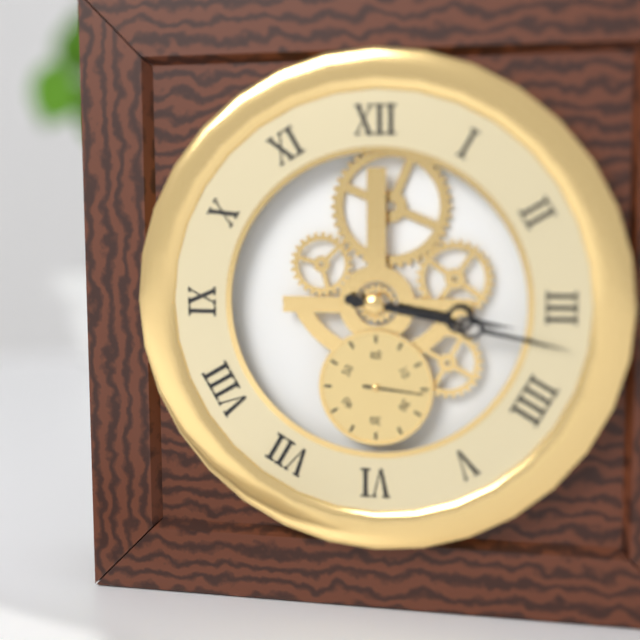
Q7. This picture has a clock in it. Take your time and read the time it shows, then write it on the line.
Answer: 3:17
